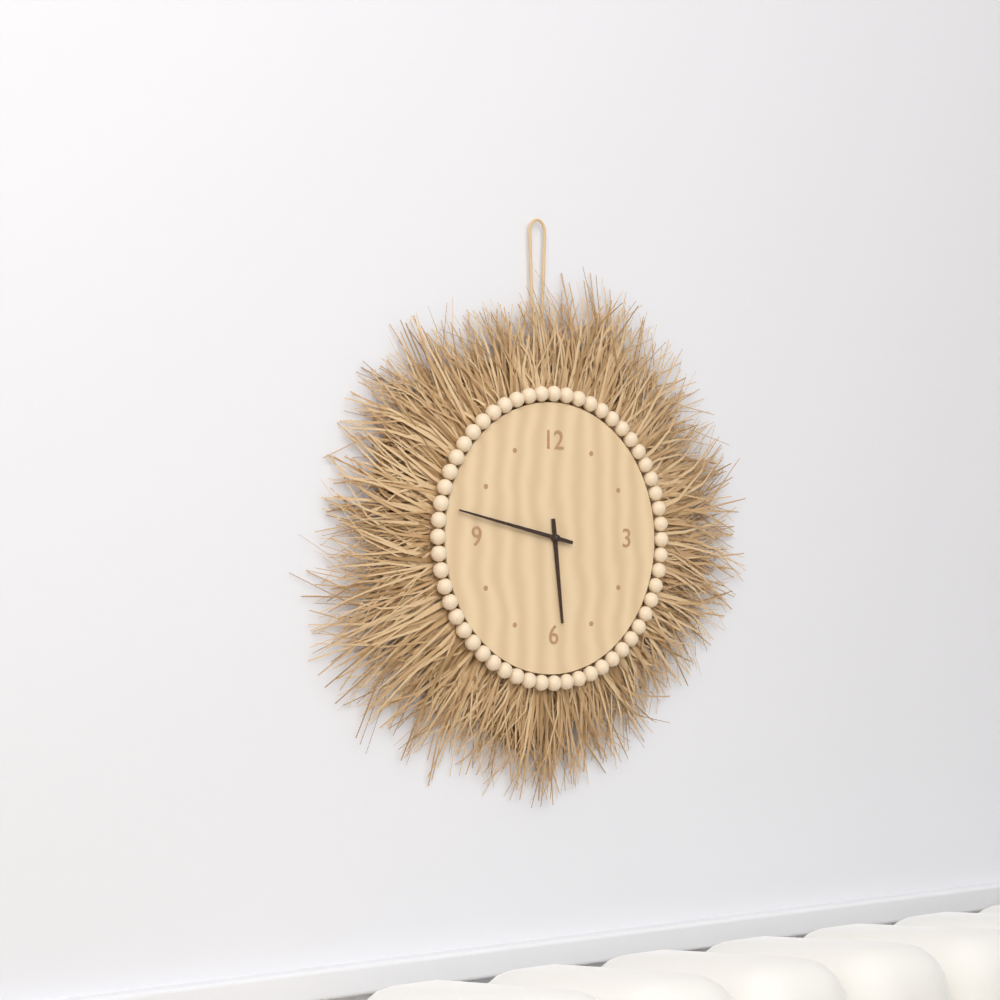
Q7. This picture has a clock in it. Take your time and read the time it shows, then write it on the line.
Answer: 5:47
